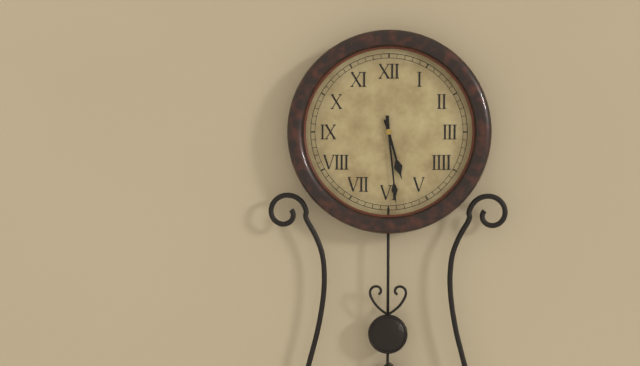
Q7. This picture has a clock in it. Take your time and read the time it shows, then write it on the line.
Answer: 5:29
